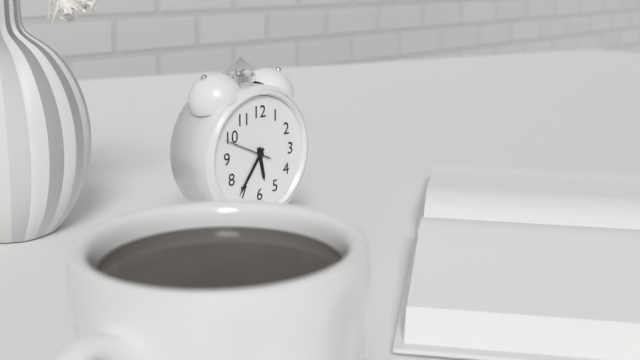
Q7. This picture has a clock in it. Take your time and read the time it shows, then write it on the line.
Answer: 5:36
